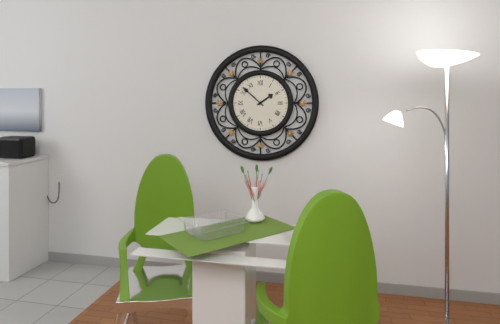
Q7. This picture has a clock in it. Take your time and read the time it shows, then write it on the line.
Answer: 1:52
